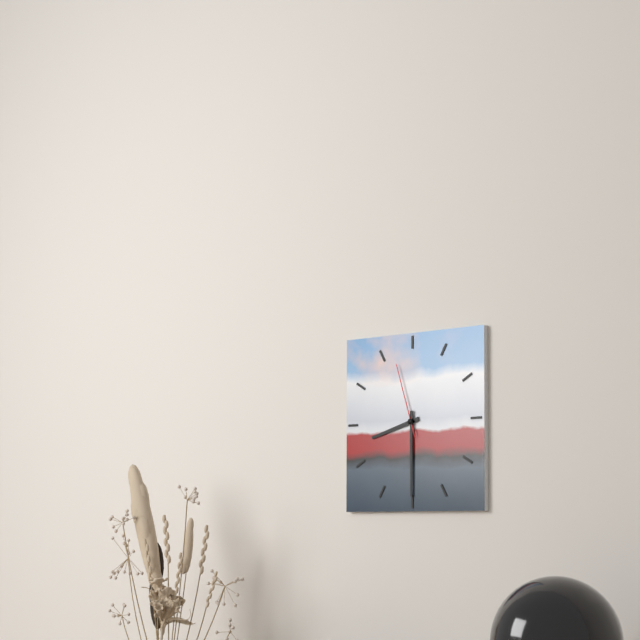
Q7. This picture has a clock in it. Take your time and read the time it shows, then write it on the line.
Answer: 8:30:57
